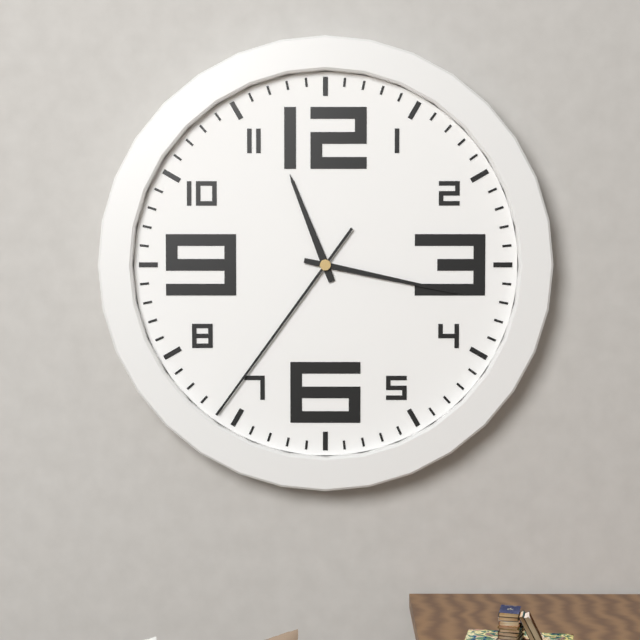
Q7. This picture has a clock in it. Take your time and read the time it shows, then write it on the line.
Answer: 11:17:36
